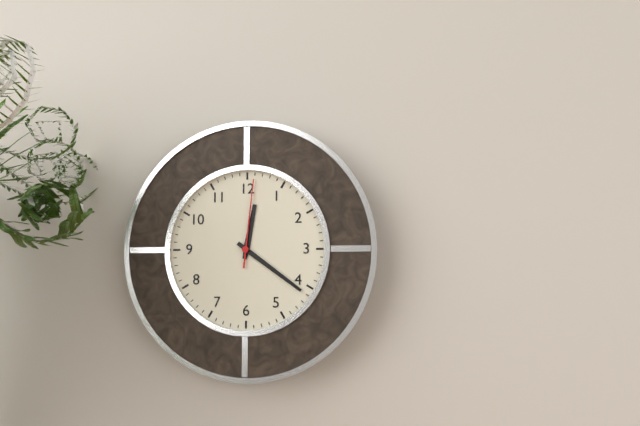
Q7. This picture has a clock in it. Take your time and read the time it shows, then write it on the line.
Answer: 12:21:01
